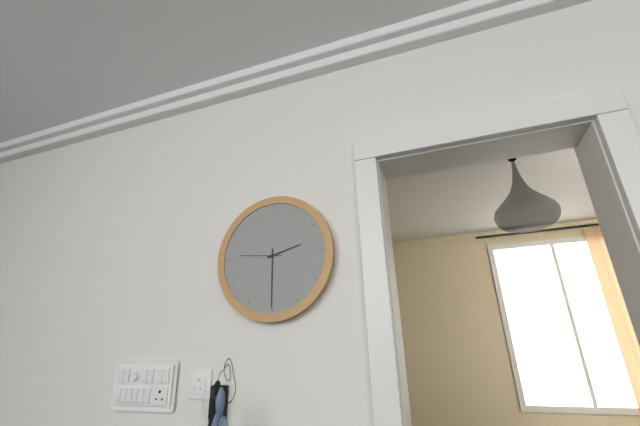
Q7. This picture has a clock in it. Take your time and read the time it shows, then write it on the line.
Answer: 2:30
